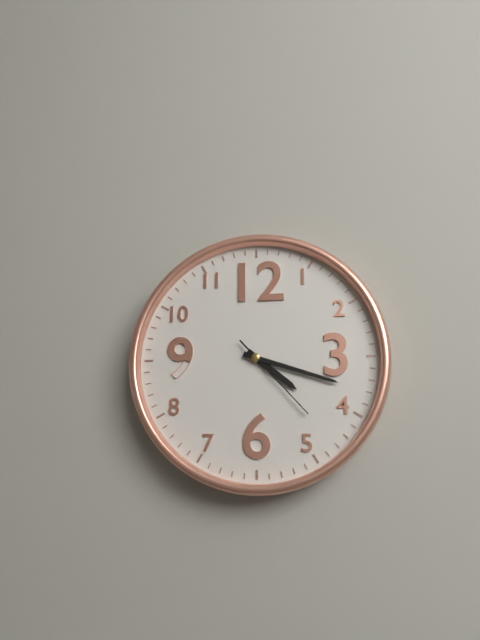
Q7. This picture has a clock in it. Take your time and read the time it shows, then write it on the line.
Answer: 4:18:23
